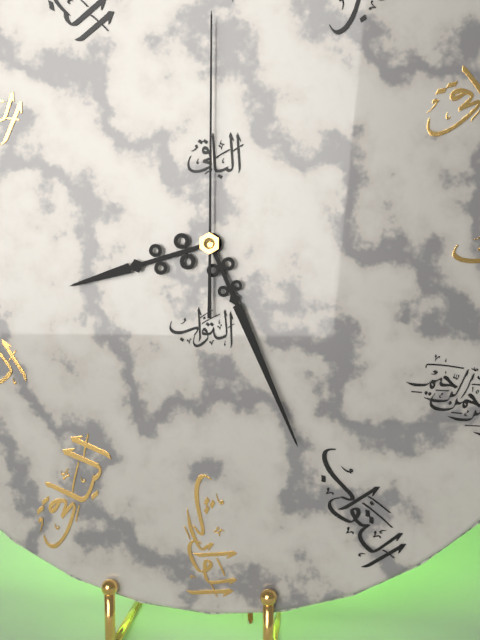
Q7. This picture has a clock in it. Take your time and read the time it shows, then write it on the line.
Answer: 8:26:00
